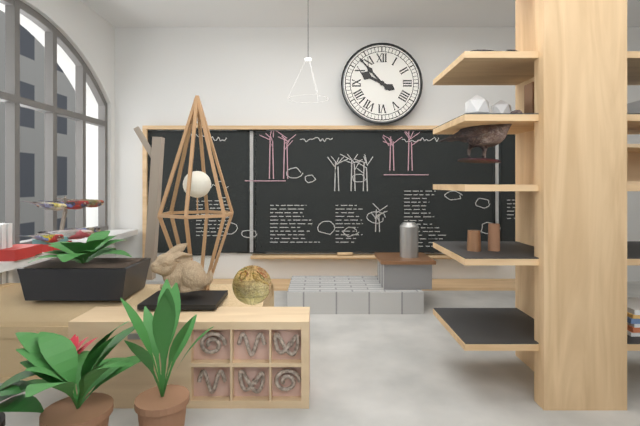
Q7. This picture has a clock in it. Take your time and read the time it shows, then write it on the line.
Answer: 9:53
